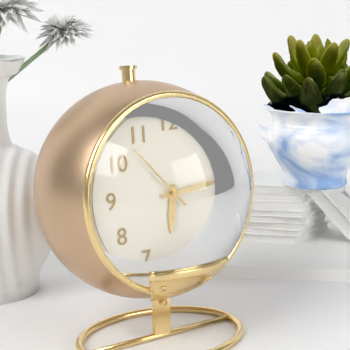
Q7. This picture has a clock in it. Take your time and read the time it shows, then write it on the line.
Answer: 6:14:53
